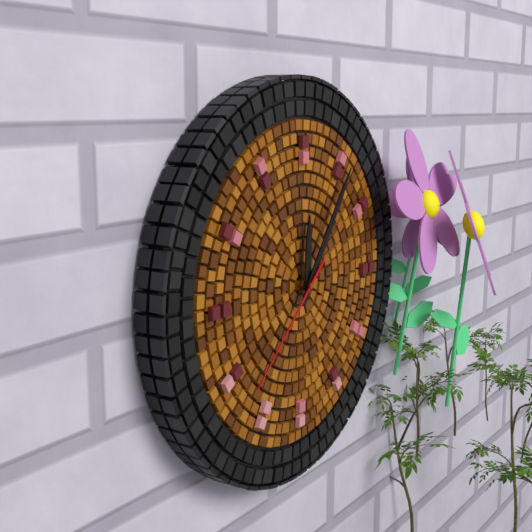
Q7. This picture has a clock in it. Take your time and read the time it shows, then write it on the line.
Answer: 12:06:38
